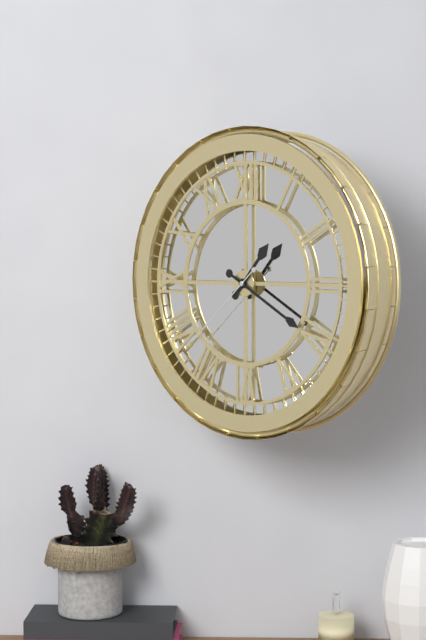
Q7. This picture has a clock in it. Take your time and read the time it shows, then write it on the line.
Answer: 1:20:38
